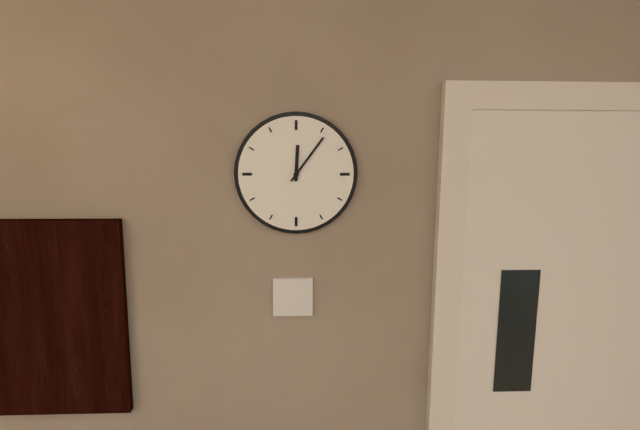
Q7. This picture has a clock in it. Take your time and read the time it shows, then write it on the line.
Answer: 12:06
